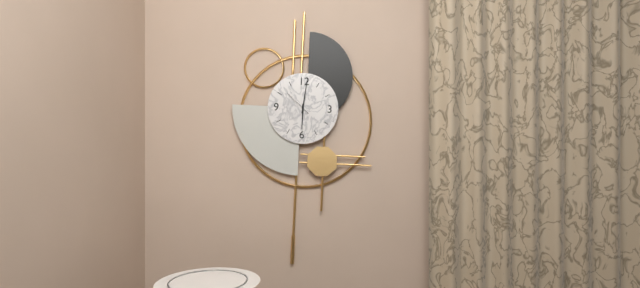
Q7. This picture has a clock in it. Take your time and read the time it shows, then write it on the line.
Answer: 6:01
